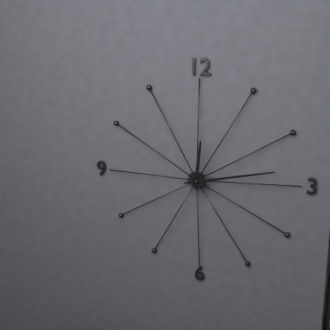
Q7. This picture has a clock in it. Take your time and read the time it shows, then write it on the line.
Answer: 12:13
